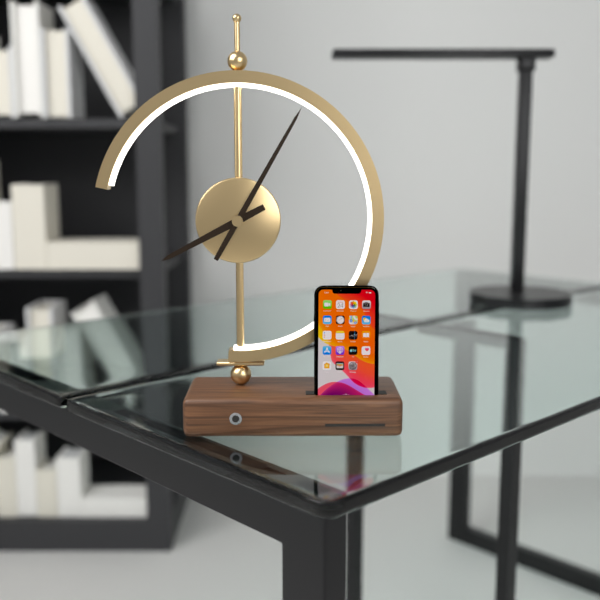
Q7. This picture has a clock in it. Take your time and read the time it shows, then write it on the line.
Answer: 8:05
